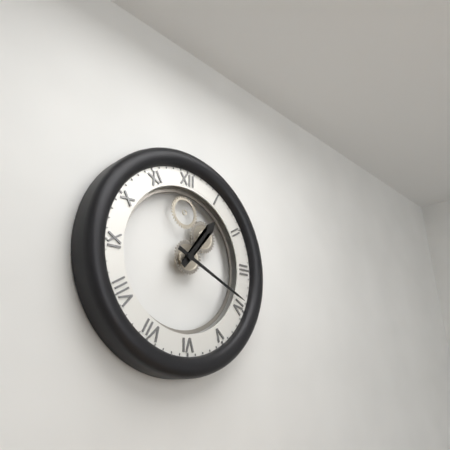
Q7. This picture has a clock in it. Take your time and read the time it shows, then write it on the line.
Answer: 1:19
